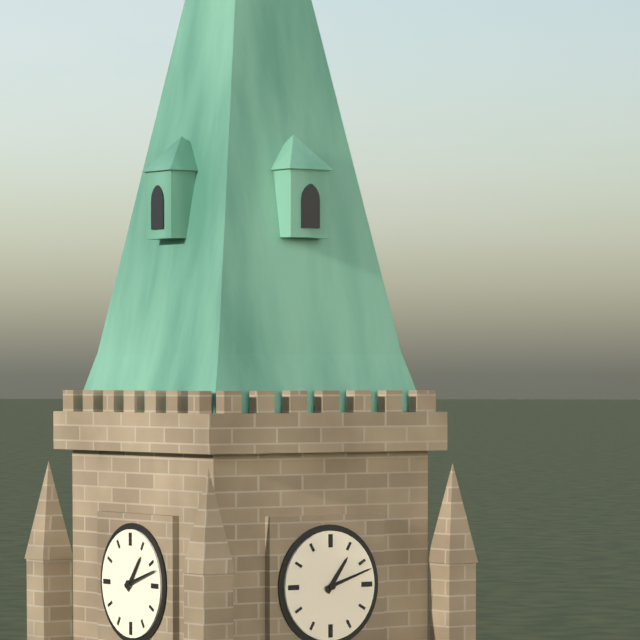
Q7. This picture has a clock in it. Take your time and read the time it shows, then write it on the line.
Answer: 1:12
